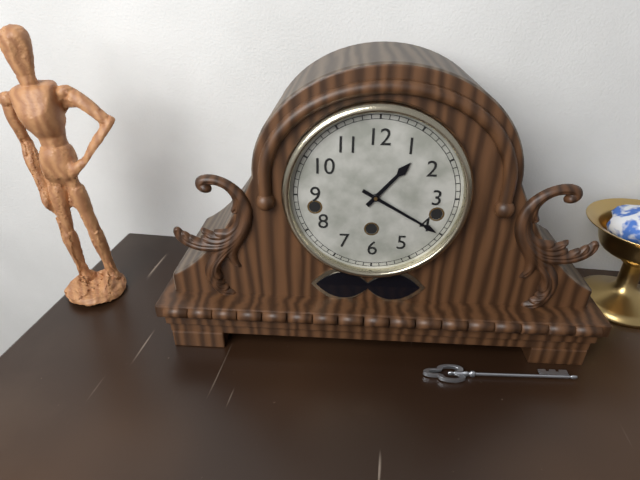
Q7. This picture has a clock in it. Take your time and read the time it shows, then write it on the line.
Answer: 1:20
